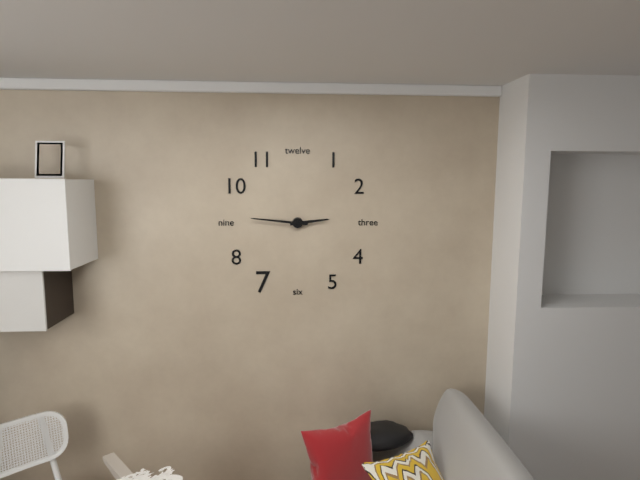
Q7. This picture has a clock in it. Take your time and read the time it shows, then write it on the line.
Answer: 2:46
